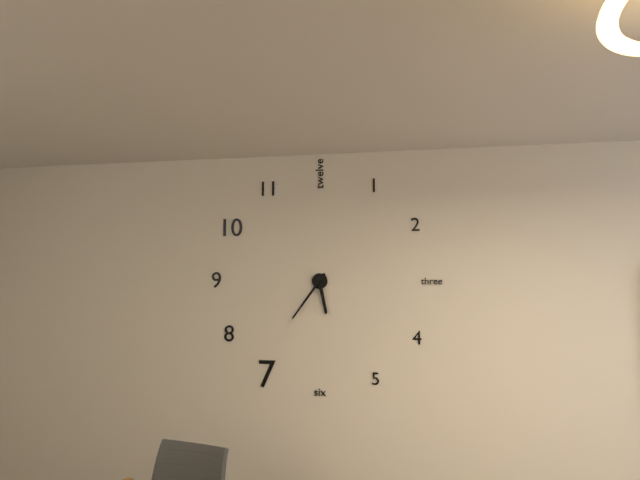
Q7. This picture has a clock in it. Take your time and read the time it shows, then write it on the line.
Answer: 5:36
